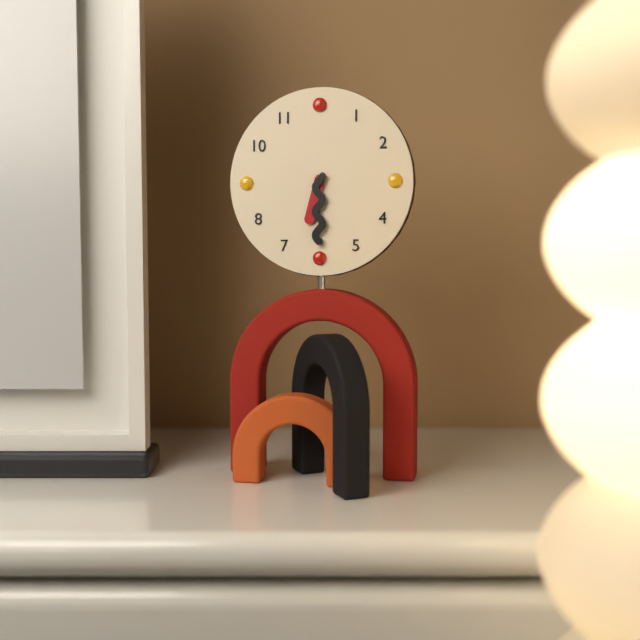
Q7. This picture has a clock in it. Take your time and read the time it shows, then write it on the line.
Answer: 6:30
